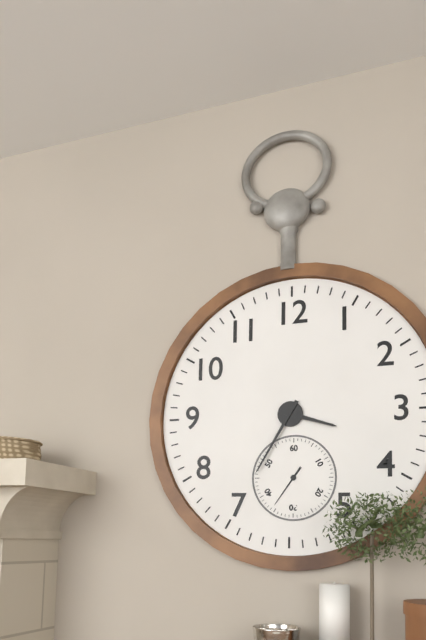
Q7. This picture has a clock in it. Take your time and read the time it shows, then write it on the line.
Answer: 3:35
